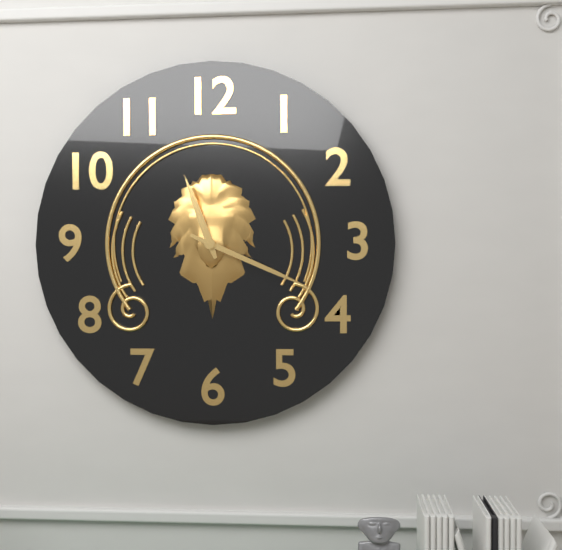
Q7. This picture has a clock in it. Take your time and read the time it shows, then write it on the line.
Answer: 11:19
